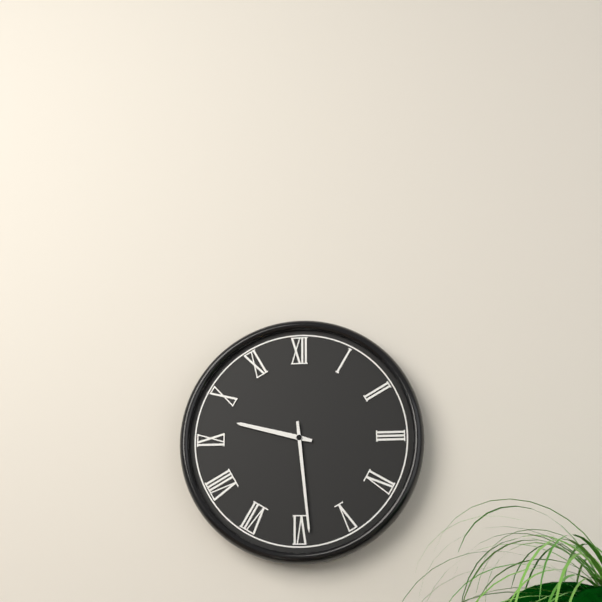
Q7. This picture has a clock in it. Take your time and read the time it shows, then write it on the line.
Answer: 9:29
